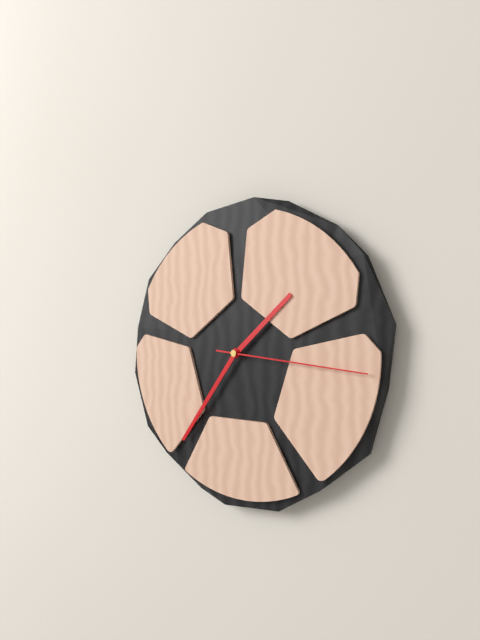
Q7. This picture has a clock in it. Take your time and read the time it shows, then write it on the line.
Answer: 1:36:16
